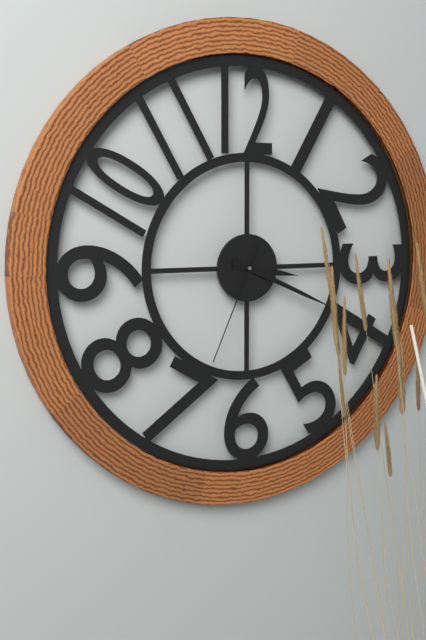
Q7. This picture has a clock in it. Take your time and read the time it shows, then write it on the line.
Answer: 3:19:34
